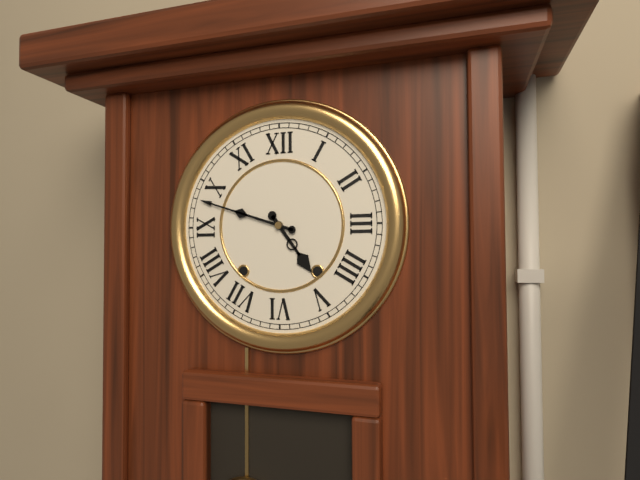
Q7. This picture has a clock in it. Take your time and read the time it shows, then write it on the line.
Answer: 4:48
